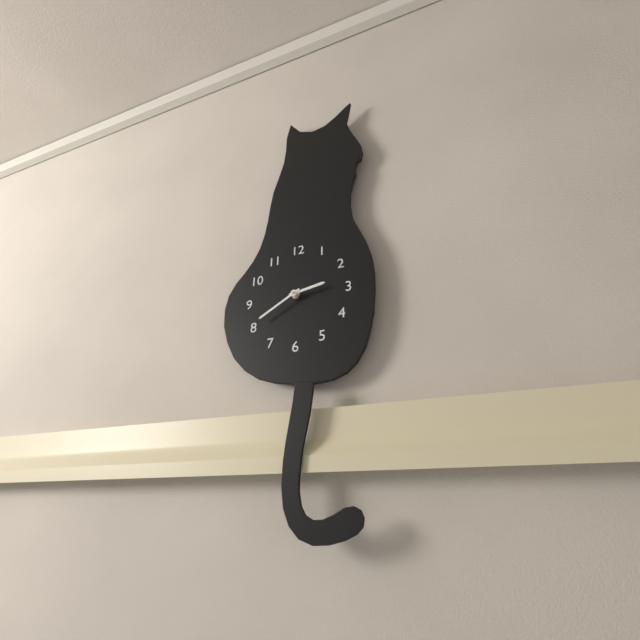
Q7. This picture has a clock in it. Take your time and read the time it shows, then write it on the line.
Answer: 2:40
